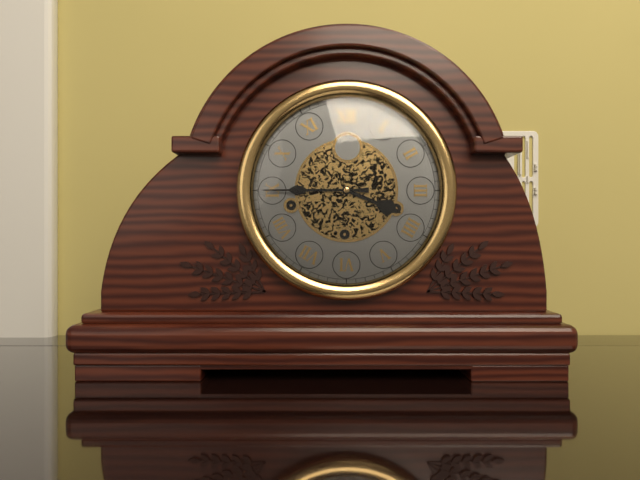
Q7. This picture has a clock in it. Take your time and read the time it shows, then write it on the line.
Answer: 3:45
